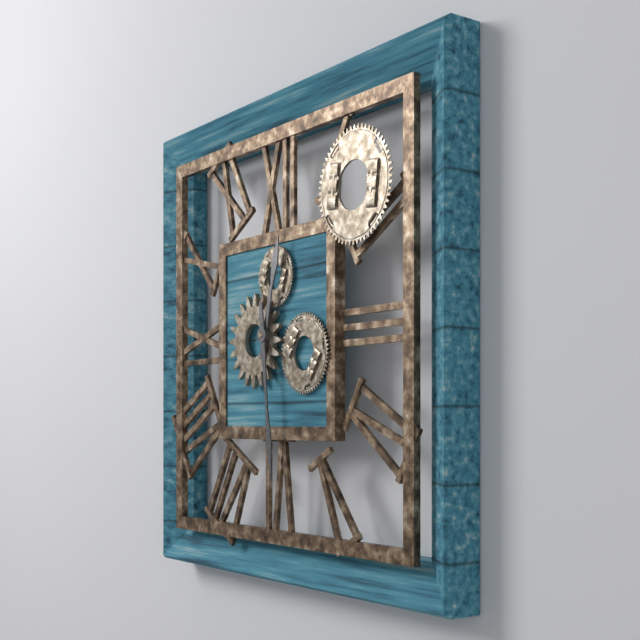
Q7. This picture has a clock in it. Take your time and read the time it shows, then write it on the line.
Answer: 12:29
